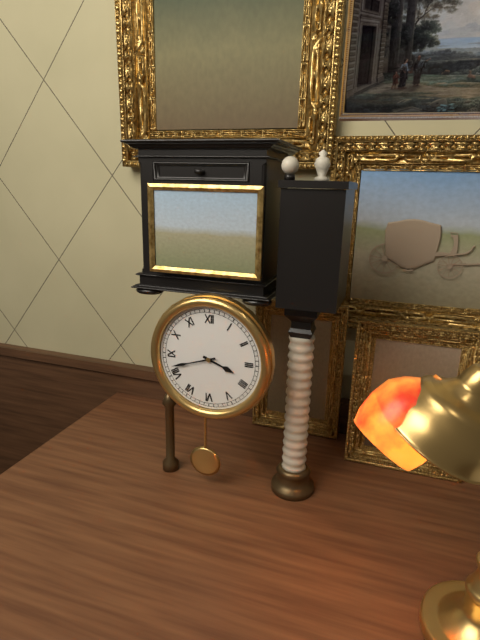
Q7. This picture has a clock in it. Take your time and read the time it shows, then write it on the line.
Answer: 3:42
